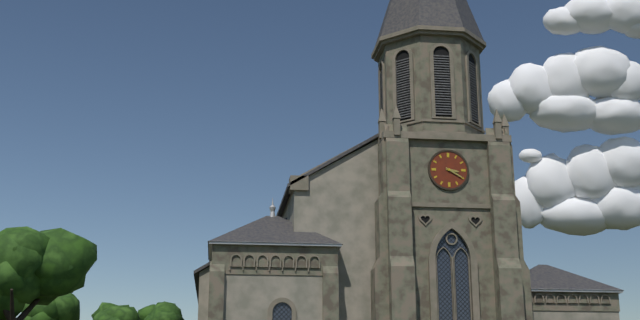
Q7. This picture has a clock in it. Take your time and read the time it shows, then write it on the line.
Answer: 3:20
